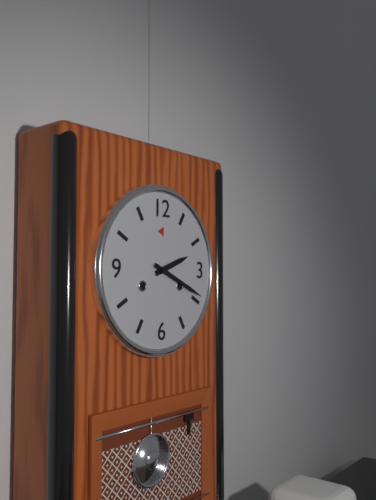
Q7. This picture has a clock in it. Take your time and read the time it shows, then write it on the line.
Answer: 2:19
